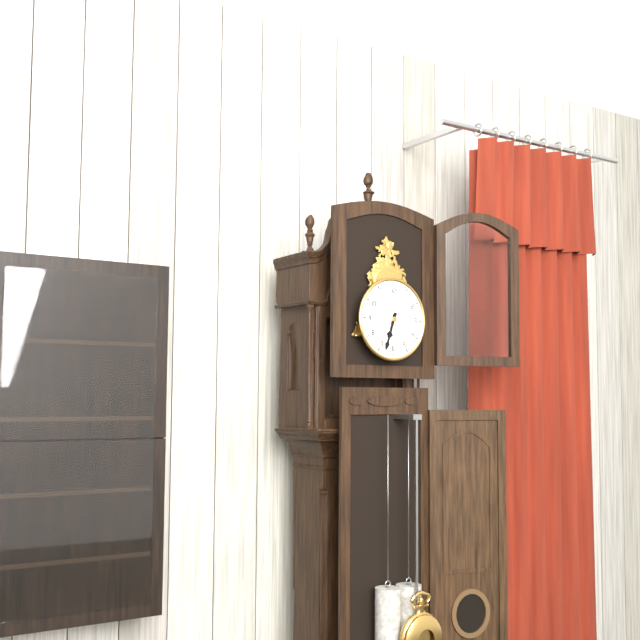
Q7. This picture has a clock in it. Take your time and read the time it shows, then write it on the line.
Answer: 6:33
